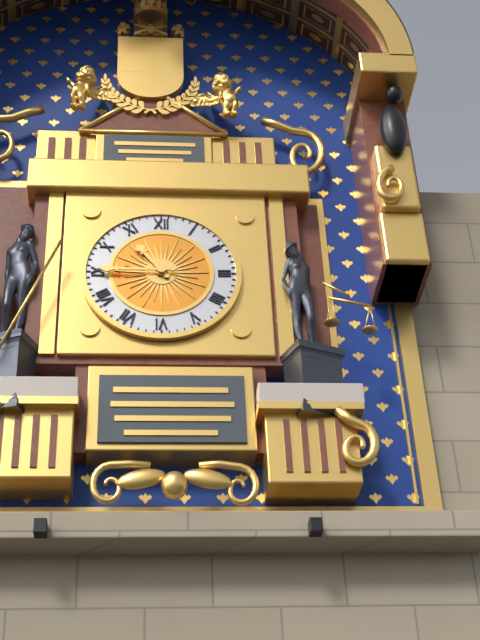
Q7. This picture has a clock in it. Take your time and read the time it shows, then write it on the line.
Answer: 10:45
